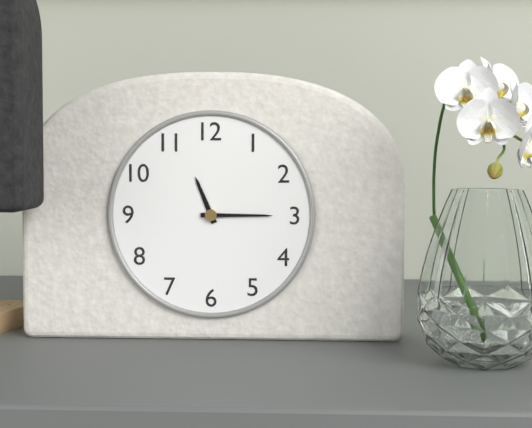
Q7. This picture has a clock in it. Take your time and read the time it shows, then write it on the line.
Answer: 11:15
